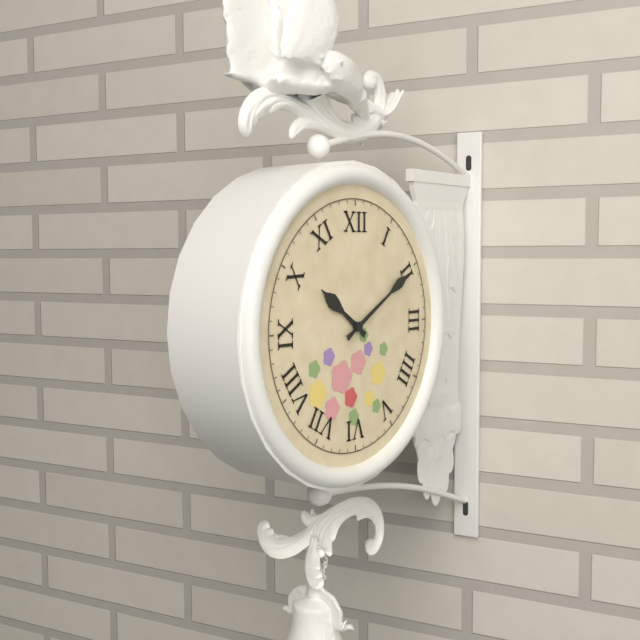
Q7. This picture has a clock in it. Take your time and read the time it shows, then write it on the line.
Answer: 10:10
